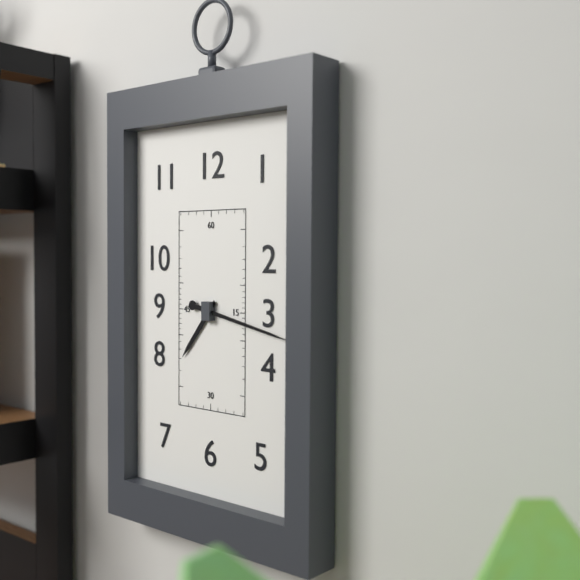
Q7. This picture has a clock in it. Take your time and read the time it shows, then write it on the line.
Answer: 7:17
